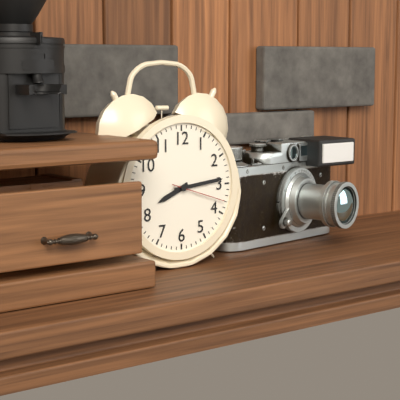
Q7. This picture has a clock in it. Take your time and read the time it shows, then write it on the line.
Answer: 8:14:18
